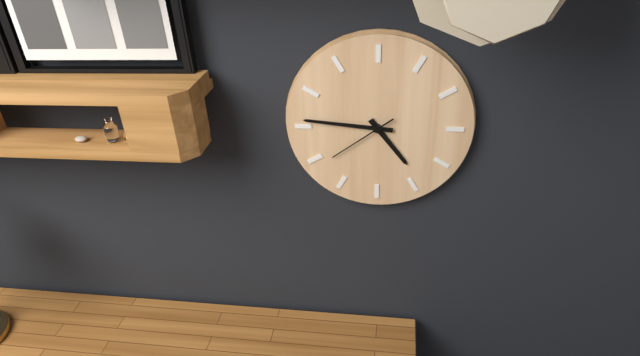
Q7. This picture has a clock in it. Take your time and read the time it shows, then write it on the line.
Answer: 4:46:39
